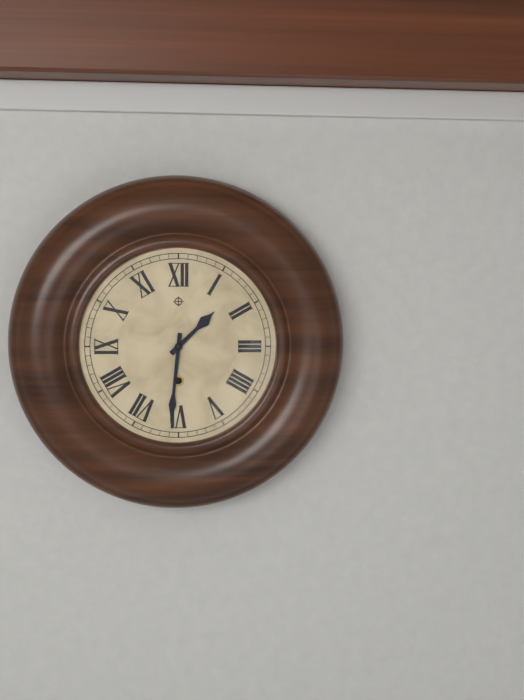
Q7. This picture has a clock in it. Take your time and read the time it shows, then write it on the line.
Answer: 1:31
